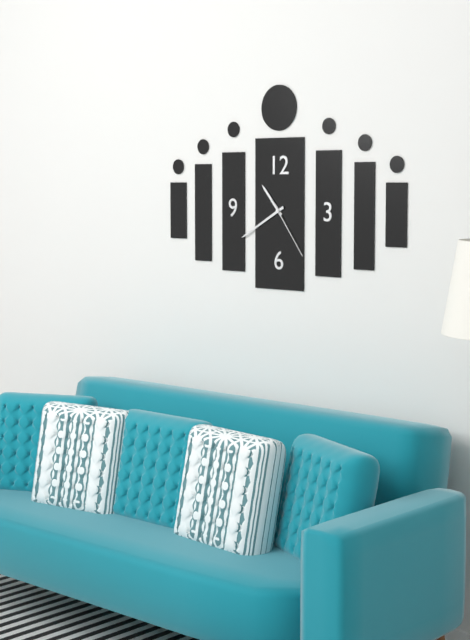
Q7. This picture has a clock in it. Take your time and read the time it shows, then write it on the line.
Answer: 10:40:24
